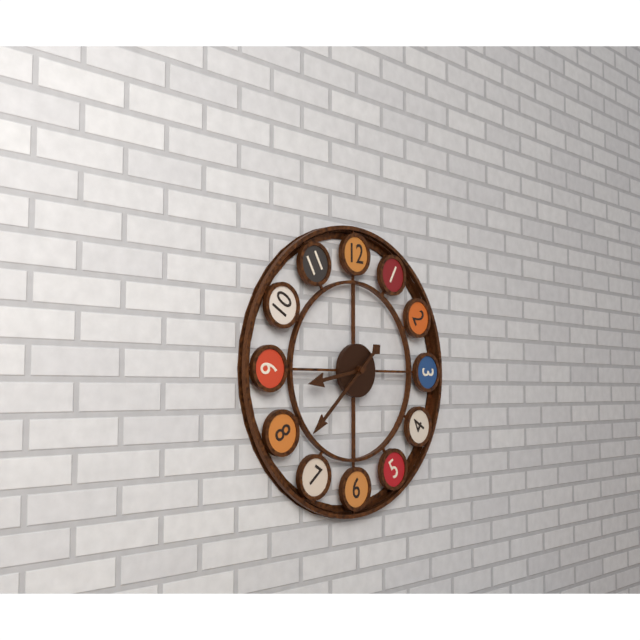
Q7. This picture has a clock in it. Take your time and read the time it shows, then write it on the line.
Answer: 8:38
